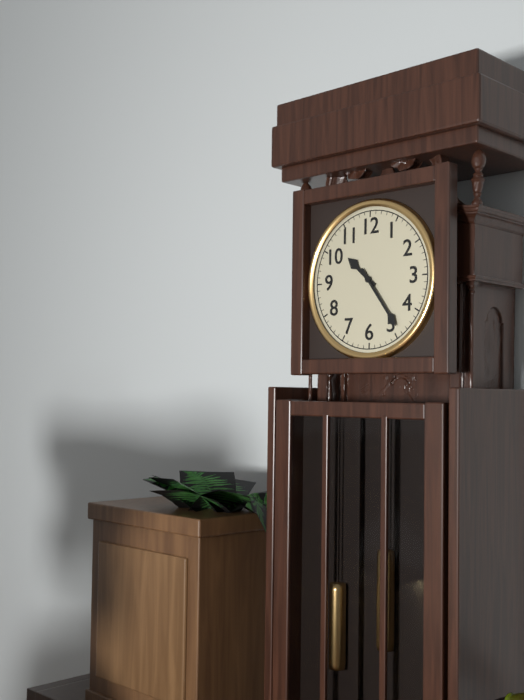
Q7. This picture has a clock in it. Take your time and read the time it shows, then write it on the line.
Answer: 10:24
